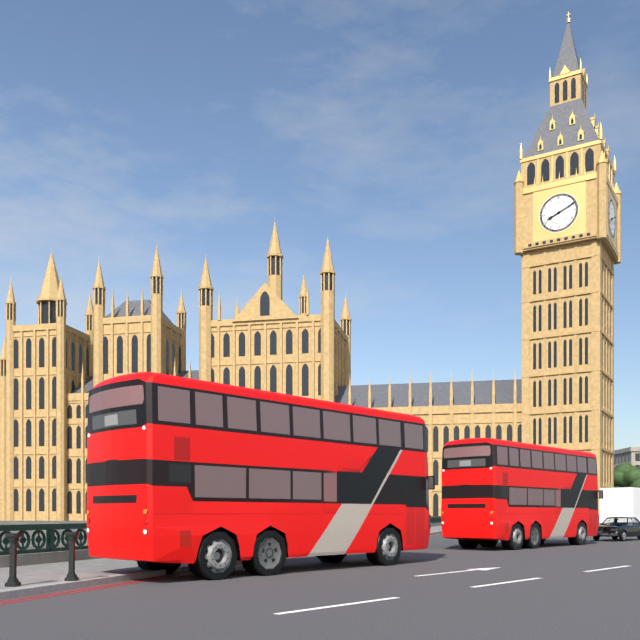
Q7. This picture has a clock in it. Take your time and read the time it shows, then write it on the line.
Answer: 8:11
